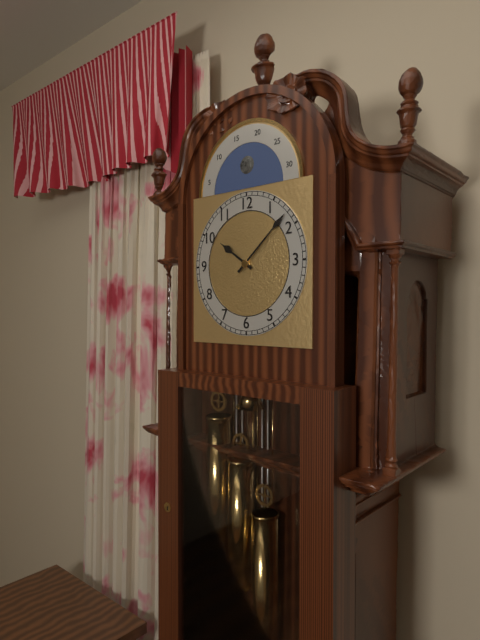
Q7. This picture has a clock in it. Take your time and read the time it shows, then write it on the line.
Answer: 10:08
